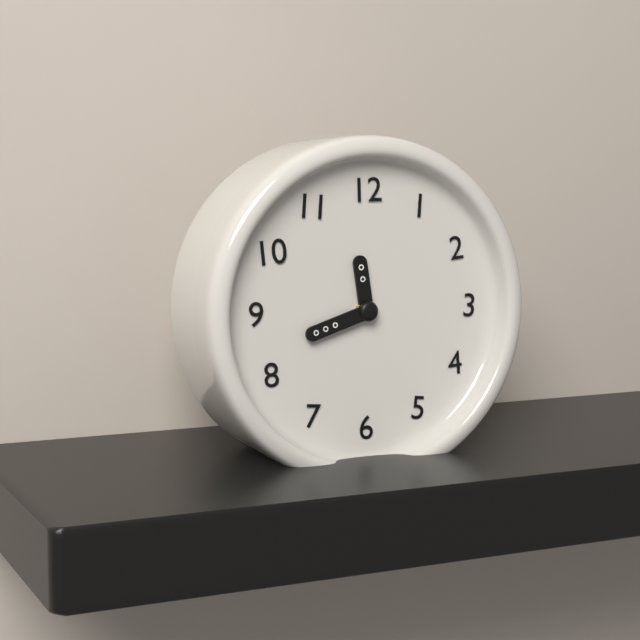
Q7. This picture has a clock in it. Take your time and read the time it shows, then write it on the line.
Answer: 11:42
